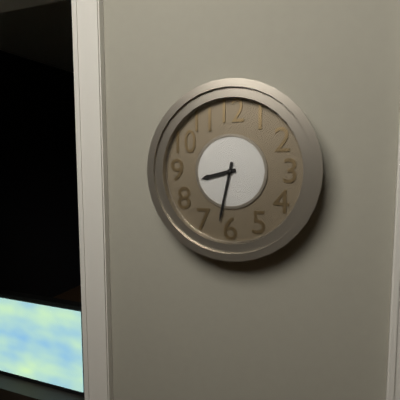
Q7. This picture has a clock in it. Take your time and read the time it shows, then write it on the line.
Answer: 8:32
